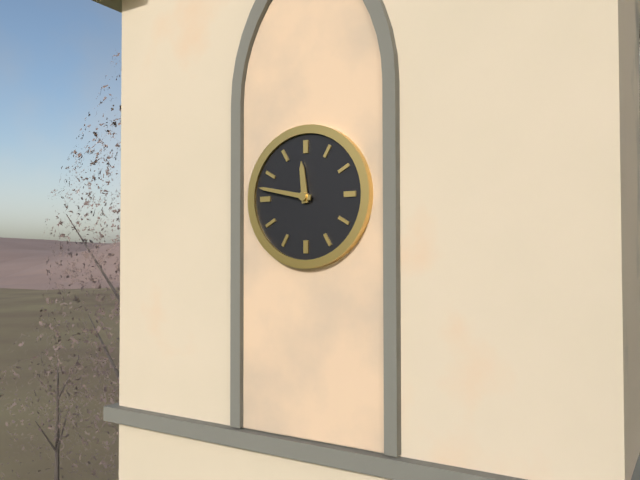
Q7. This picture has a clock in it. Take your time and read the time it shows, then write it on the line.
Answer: 11:47
